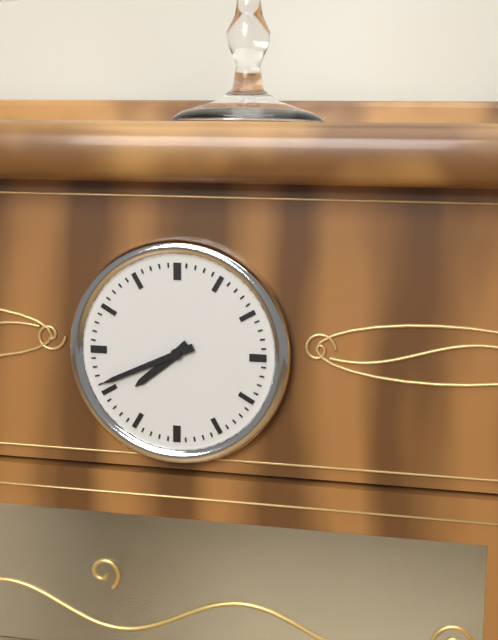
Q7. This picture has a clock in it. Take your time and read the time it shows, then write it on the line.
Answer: 7:41
